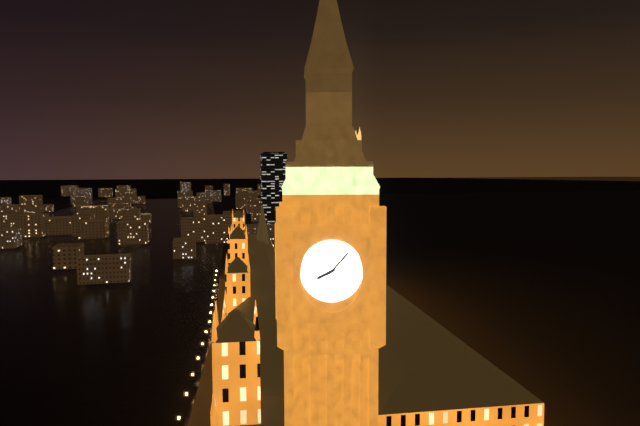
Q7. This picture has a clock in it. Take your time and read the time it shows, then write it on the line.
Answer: 8:07
